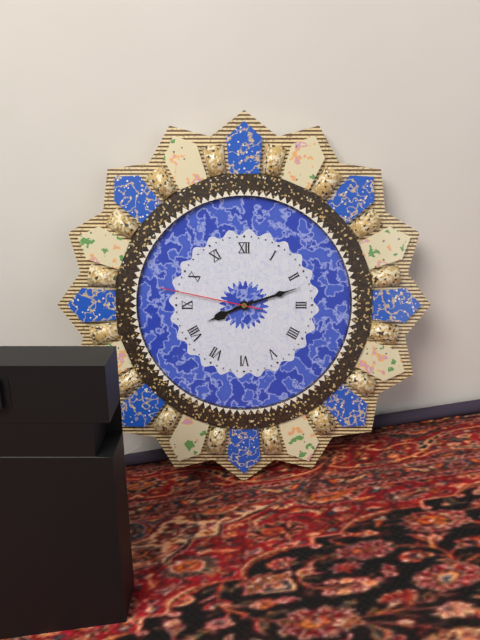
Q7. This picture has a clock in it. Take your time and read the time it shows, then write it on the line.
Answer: 8:12:47
